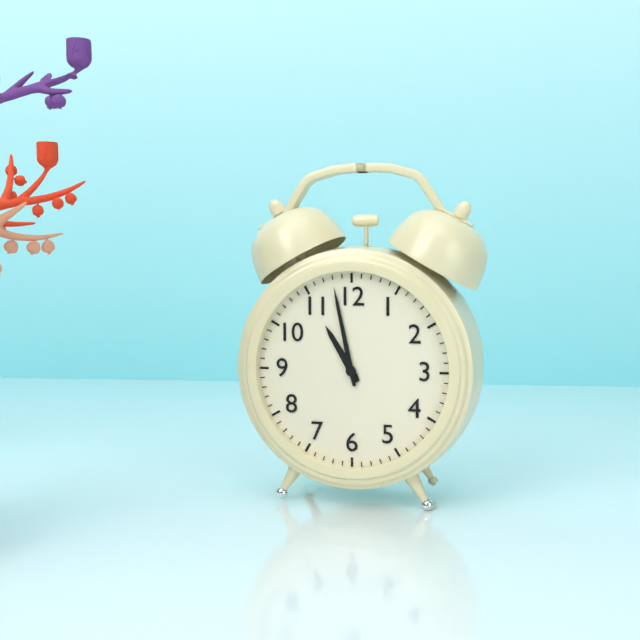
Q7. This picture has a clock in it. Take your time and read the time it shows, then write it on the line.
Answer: 10:58
